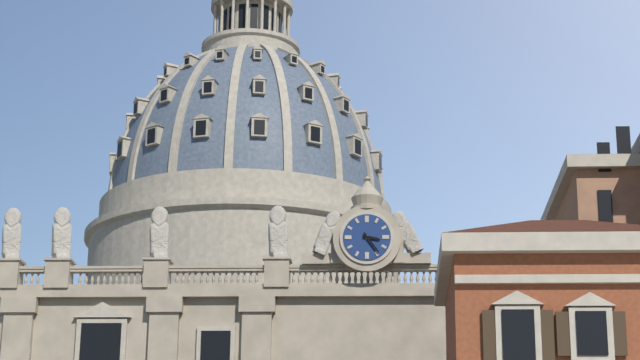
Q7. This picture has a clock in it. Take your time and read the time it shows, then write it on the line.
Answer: 3:24
